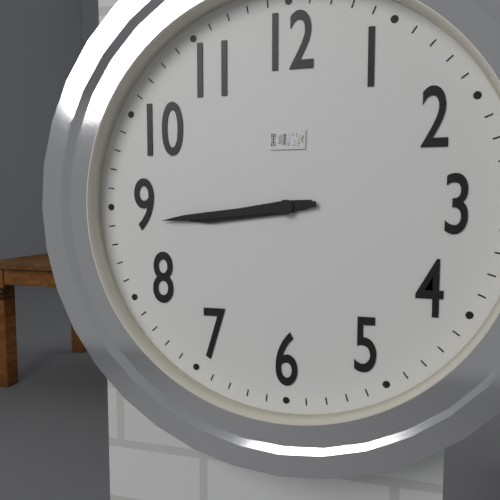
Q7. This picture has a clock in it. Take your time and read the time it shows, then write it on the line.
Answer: 8:44
